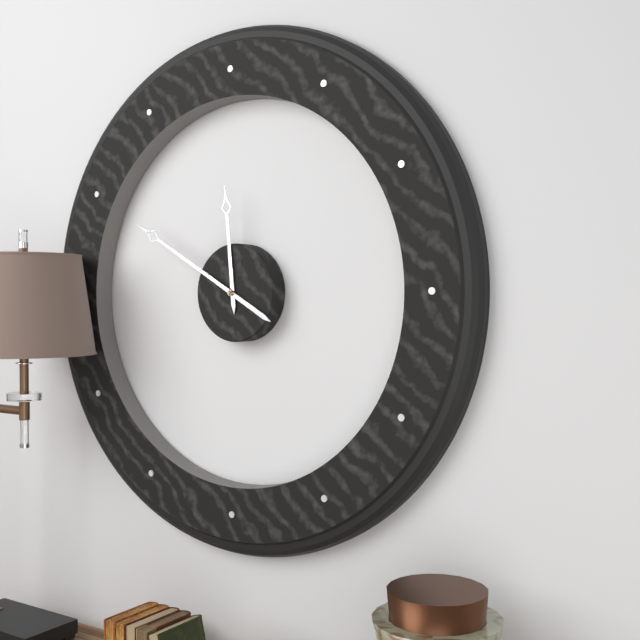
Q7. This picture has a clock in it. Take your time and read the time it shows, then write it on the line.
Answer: 11:50
